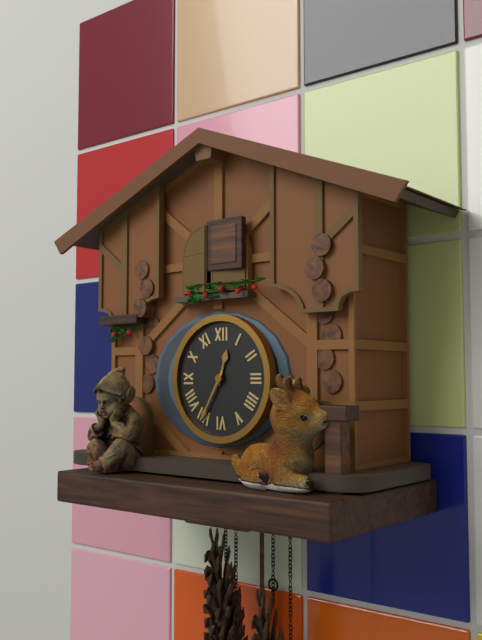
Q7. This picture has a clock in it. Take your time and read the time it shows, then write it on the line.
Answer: 12:35
